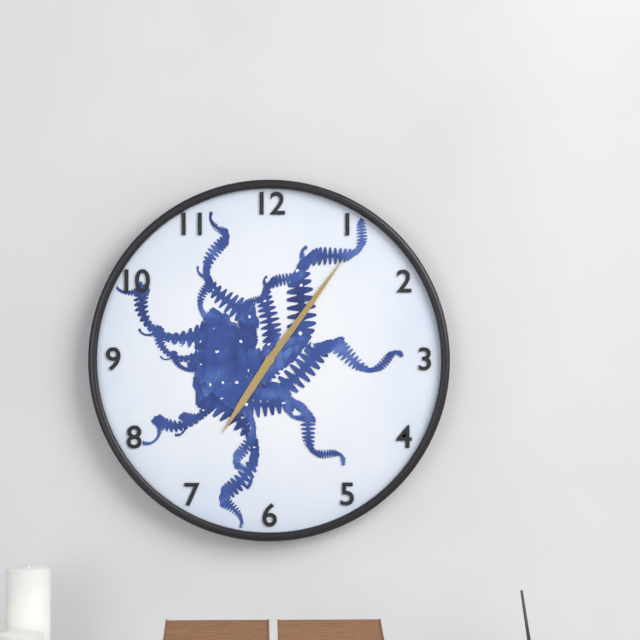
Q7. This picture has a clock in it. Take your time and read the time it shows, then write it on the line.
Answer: 7:06
